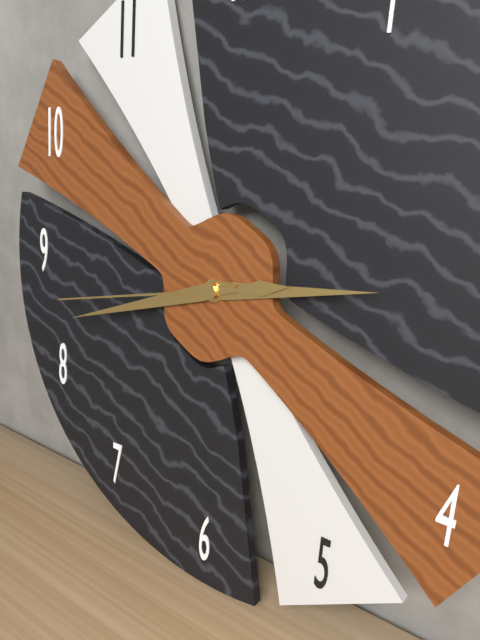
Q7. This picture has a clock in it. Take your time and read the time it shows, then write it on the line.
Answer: 2:42:43
